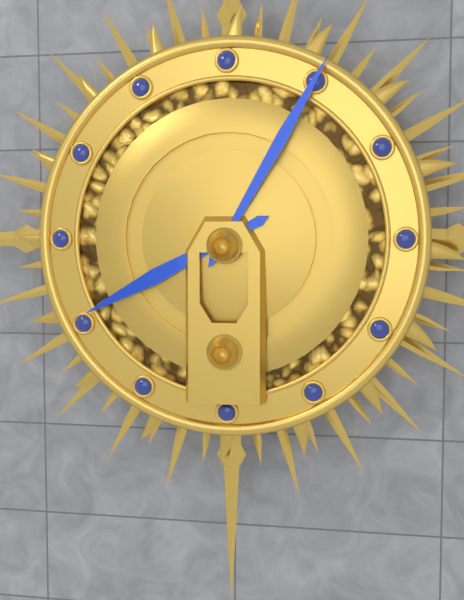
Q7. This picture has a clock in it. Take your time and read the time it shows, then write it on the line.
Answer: 8:05
